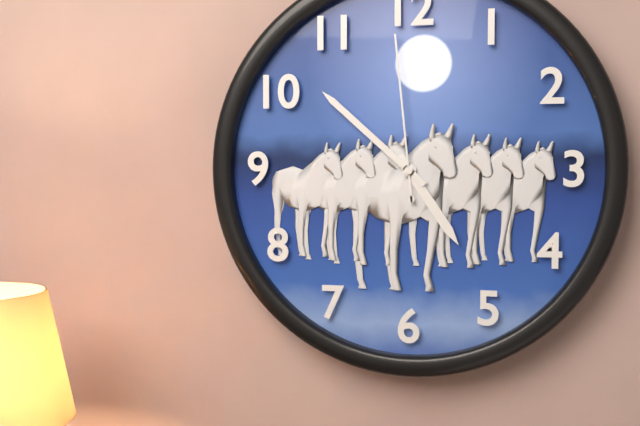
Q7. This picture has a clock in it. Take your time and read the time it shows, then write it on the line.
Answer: 4:52:59
